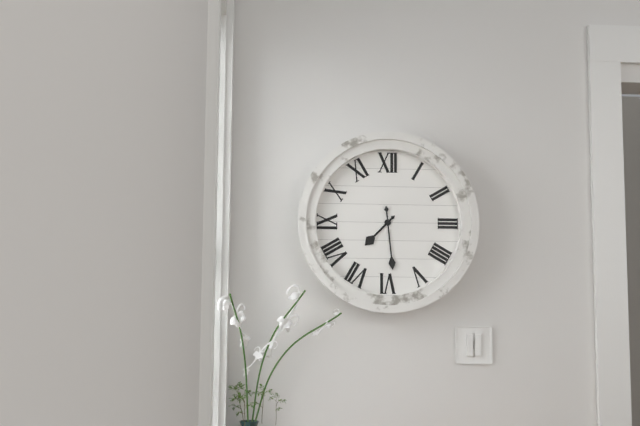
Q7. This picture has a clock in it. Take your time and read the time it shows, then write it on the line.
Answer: 7:29
